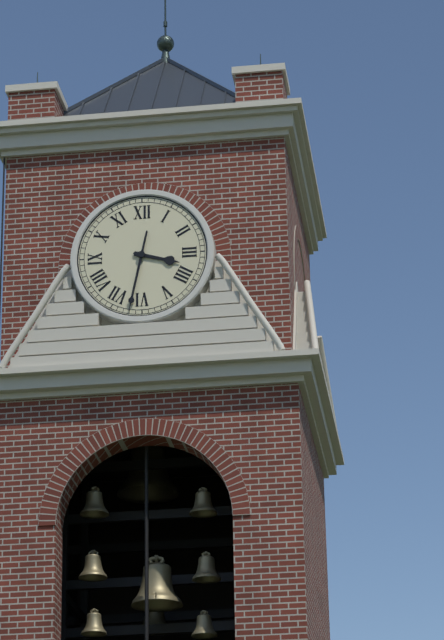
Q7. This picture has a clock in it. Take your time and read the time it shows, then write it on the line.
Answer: 3:32
